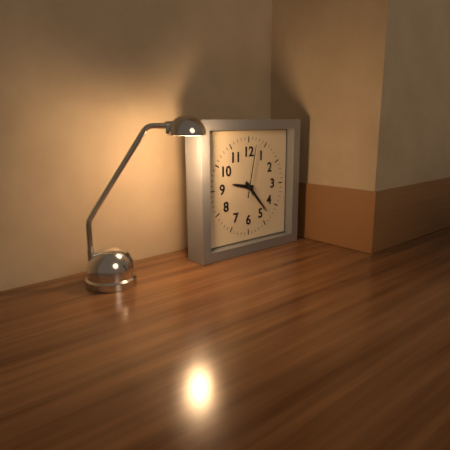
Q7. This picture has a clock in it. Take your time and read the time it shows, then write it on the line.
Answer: 9:23:02
